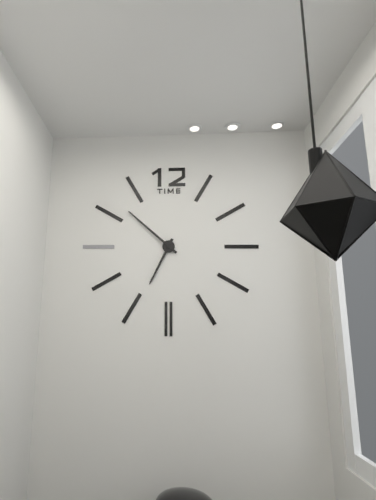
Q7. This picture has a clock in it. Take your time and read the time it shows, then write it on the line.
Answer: 6:52
